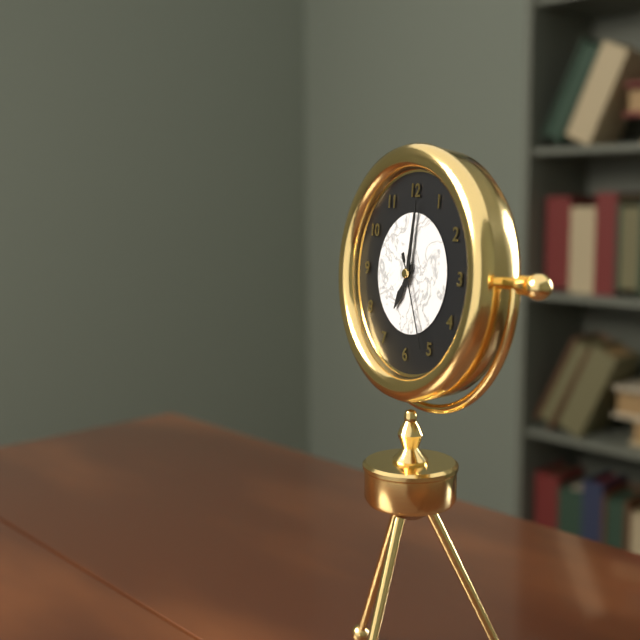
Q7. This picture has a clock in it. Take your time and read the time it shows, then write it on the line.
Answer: 7:01:26
